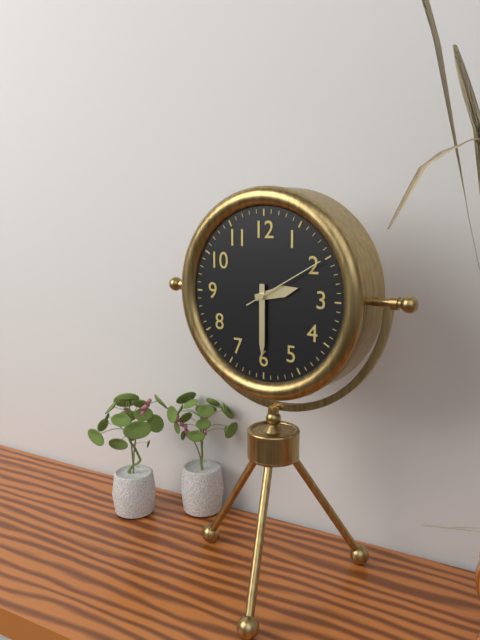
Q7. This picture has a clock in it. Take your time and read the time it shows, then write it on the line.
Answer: 2:30:10
